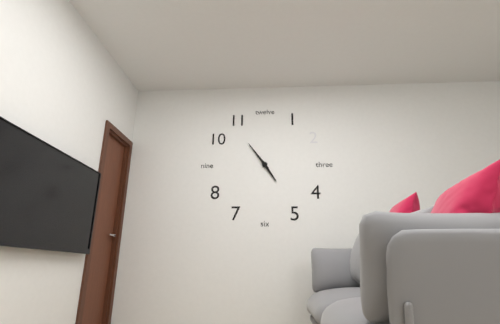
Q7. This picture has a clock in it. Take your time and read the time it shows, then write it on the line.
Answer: 4:54
